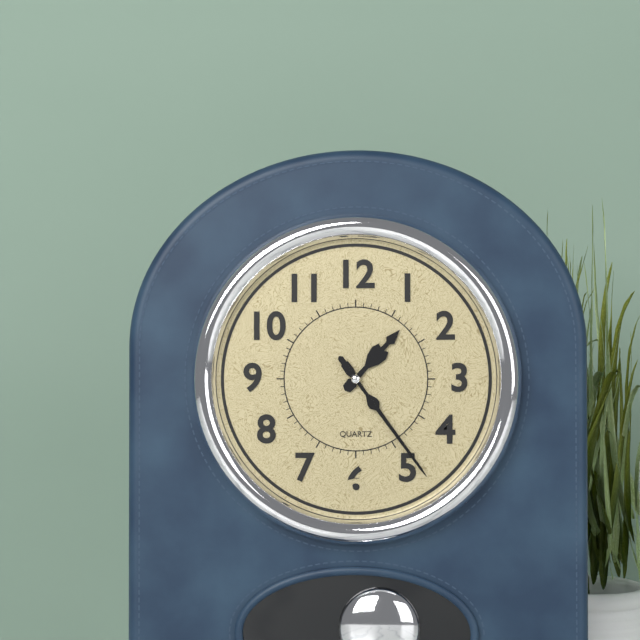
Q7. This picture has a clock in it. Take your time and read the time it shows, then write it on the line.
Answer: 1:24:24
